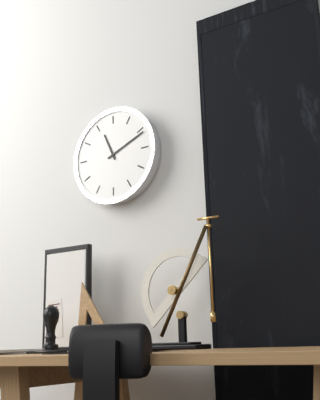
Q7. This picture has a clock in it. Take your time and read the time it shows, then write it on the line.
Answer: 11:11
